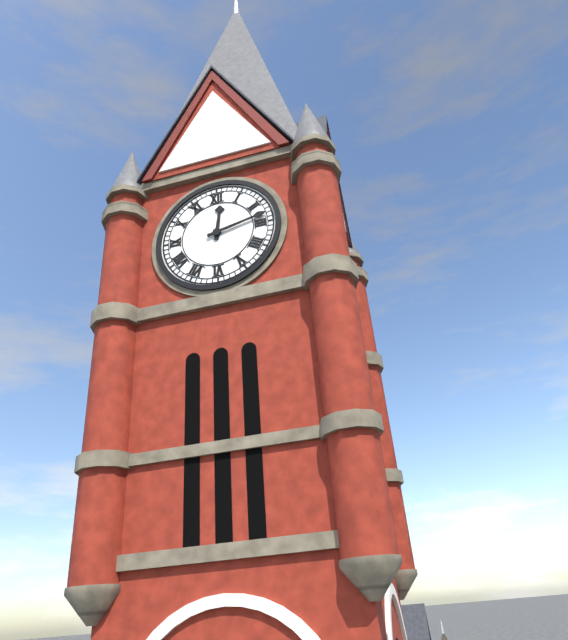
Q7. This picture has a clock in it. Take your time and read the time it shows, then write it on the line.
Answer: 12:13
